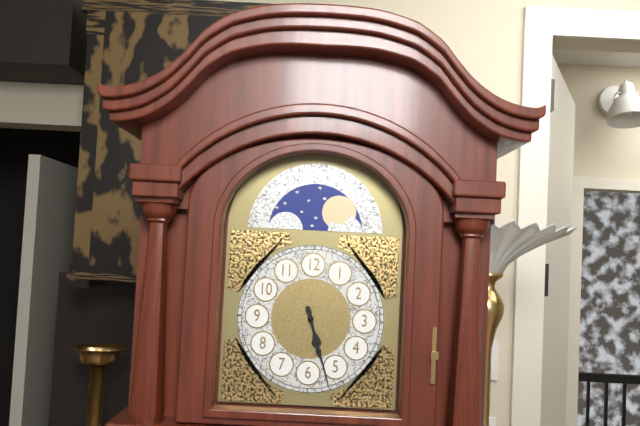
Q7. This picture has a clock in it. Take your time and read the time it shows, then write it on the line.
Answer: 5:27
